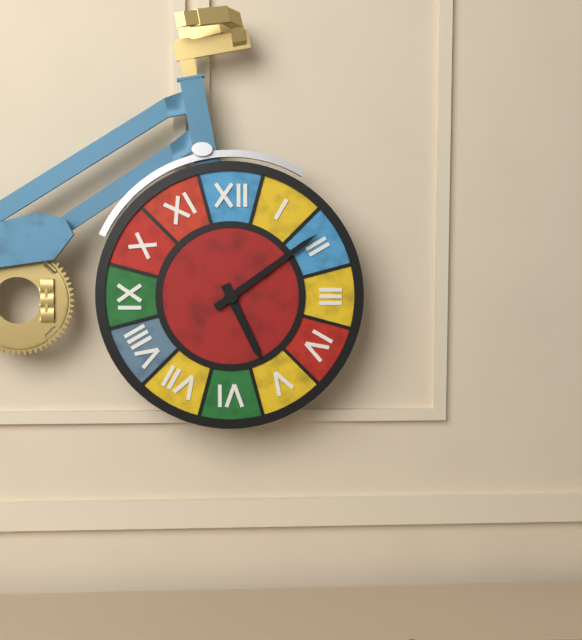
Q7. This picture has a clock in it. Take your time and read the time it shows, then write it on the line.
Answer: 5:09
